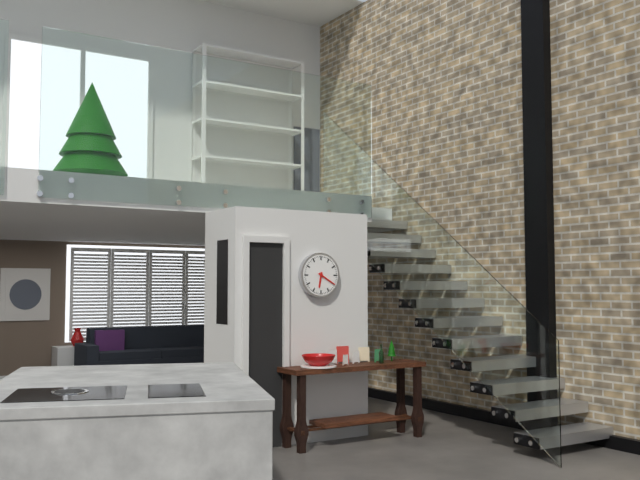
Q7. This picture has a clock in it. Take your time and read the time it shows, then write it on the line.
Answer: 6:20
